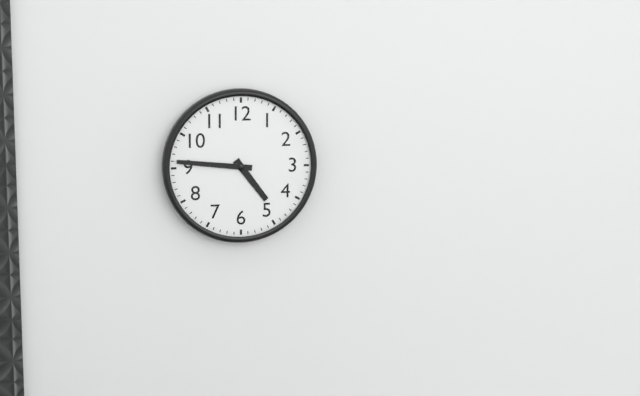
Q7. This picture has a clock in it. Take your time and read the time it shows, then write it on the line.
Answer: 4:46
